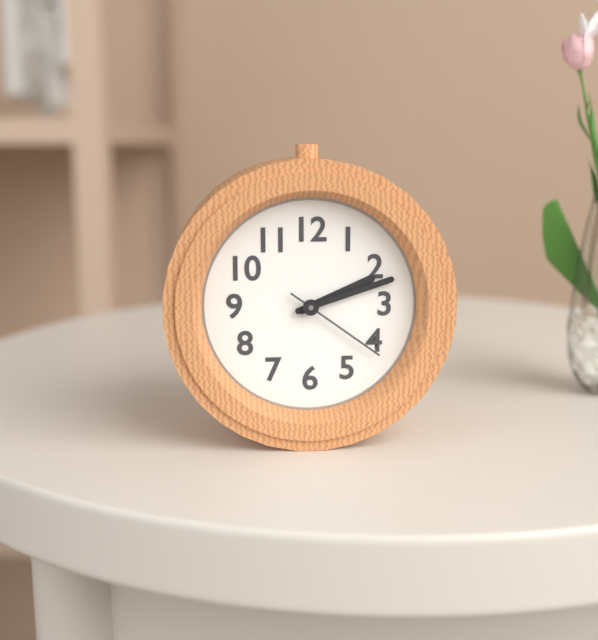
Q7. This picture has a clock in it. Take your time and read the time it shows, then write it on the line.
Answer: 2:12:21
